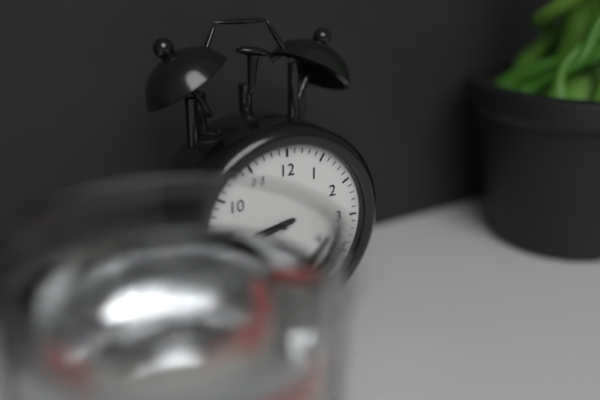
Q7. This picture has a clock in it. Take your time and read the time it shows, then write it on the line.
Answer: 8:43
